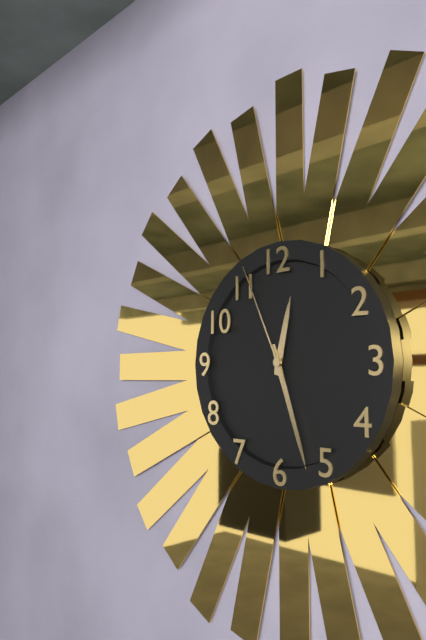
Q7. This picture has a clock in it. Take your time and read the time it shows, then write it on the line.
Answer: 12:27:56
